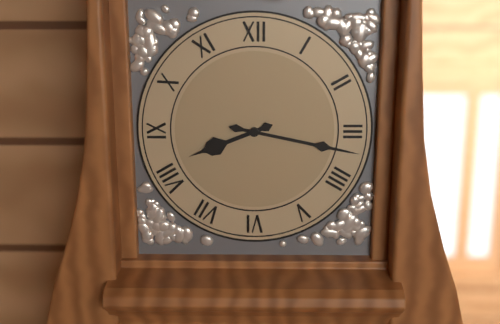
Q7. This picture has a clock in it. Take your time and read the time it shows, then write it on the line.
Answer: 8:17
